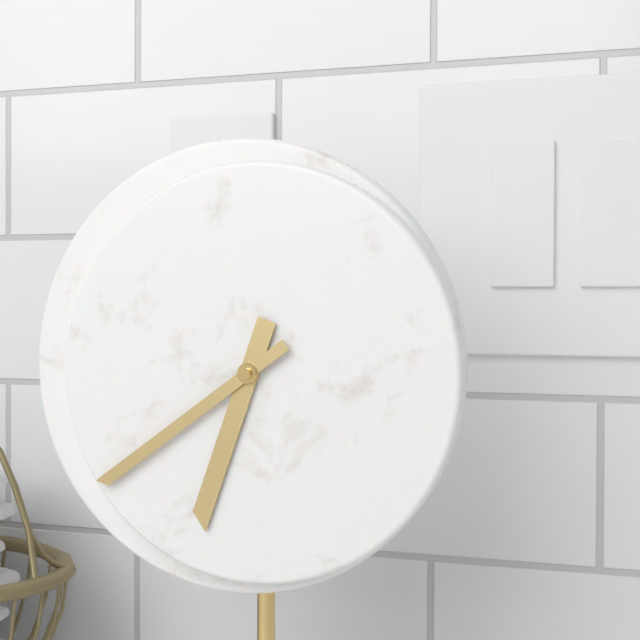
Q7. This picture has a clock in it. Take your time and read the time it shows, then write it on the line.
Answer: 6:39
